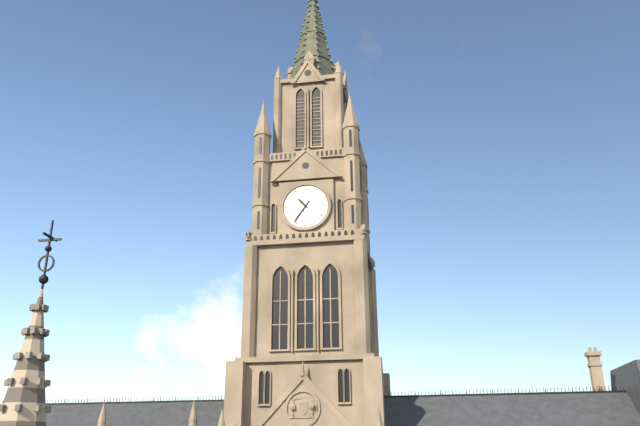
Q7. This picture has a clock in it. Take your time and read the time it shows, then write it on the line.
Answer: 10:36
